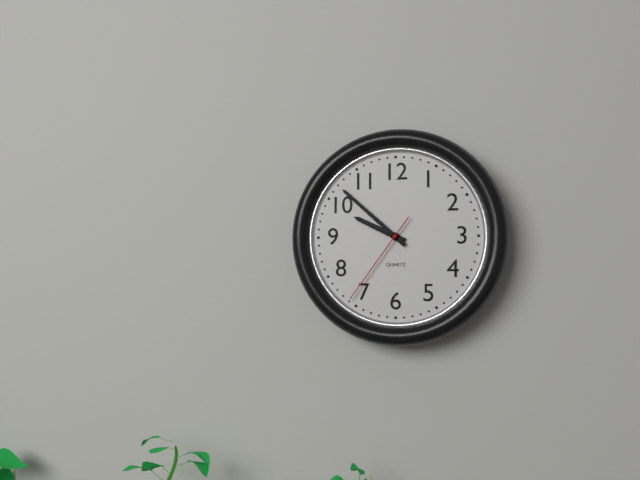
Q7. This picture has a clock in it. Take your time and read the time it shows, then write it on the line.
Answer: 9:52:36
